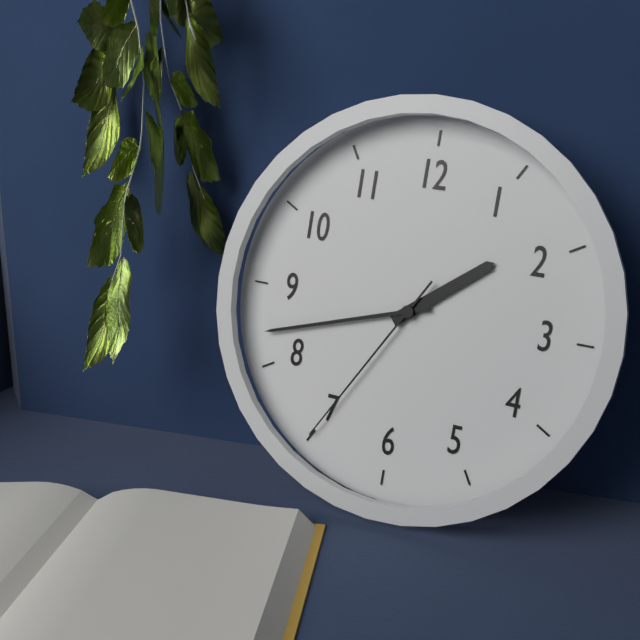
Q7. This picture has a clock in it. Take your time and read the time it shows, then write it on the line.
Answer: 1:42:35
